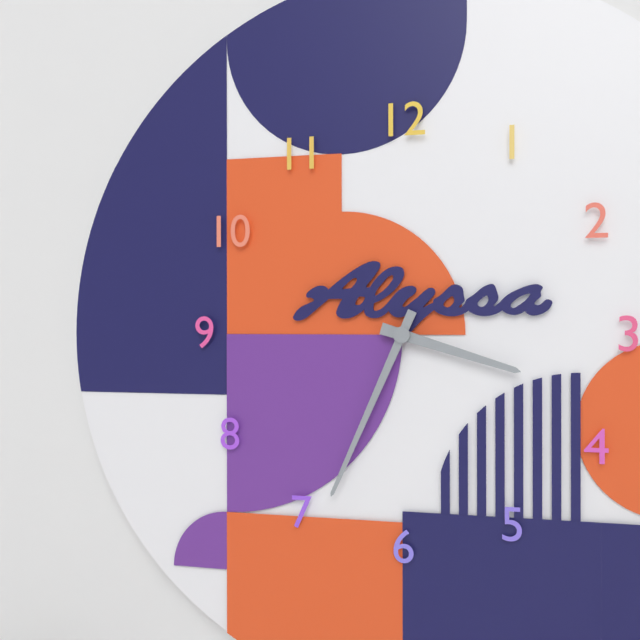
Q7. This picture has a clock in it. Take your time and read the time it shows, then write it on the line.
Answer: 3:34
